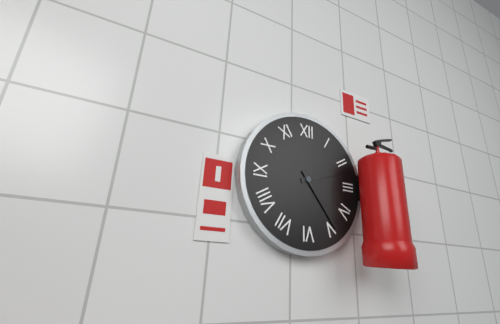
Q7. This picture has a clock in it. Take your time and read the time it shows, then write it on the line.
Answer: 2:24
